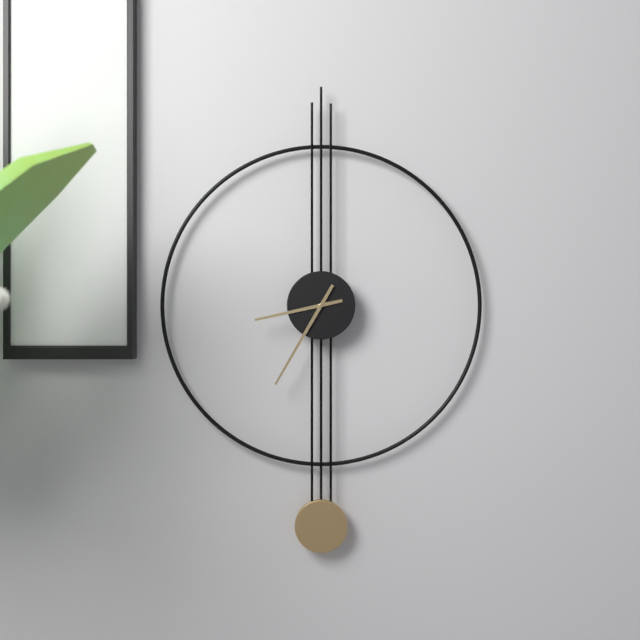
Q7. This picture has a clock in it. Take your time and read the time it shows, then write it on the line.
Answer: 8:35
